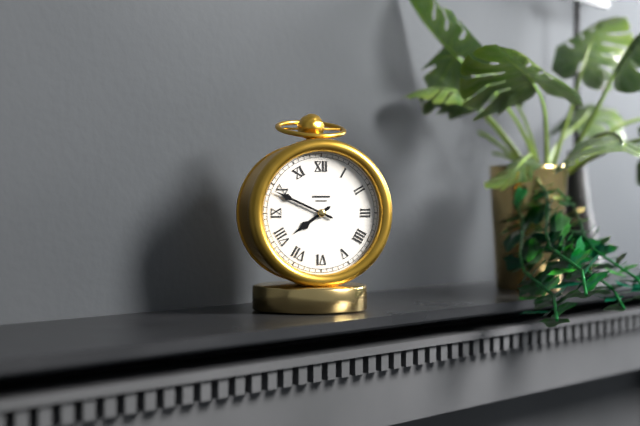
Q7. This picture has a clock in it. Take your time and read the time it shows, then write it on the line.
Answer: 7:49
